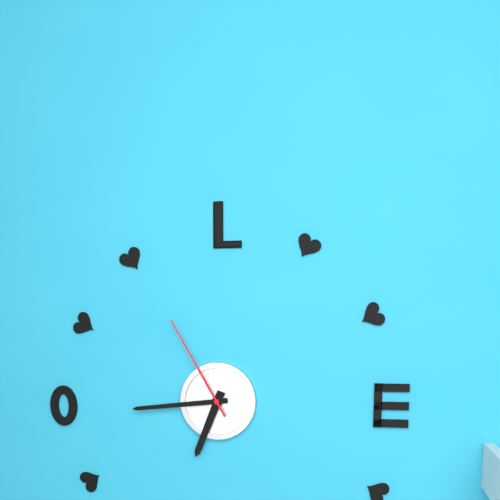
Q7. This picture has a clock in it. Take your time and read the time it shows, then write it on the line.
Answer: 6:44:55
